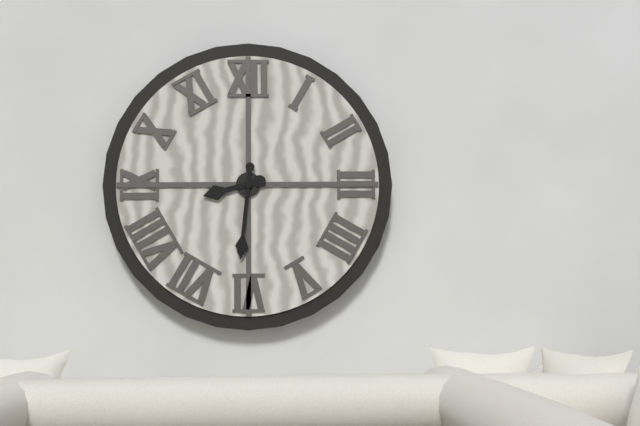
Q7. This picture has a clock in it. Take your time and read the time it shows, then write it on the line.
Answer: 8:31
